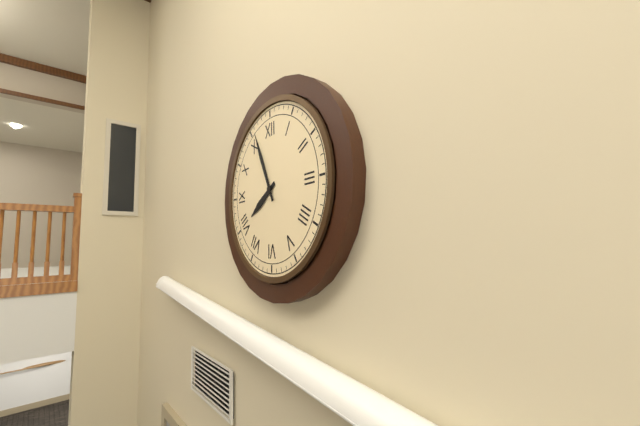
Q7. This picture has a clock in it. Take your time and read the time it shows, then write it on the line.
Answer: 7:56
